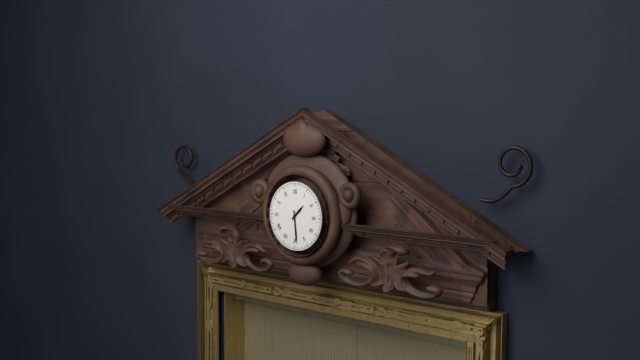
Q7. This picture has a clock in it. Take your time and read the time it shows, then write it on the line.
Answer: 1:29
